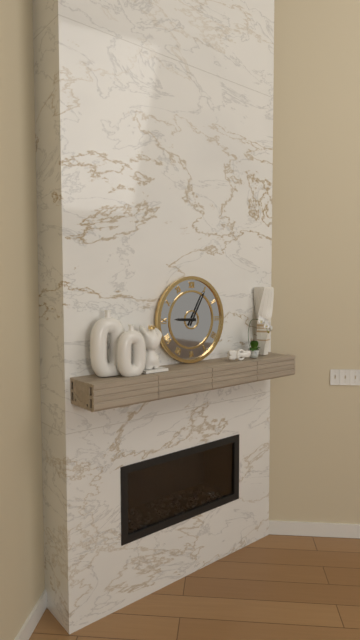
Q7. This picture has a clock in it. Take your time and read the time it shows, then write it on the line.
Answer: 9:05
